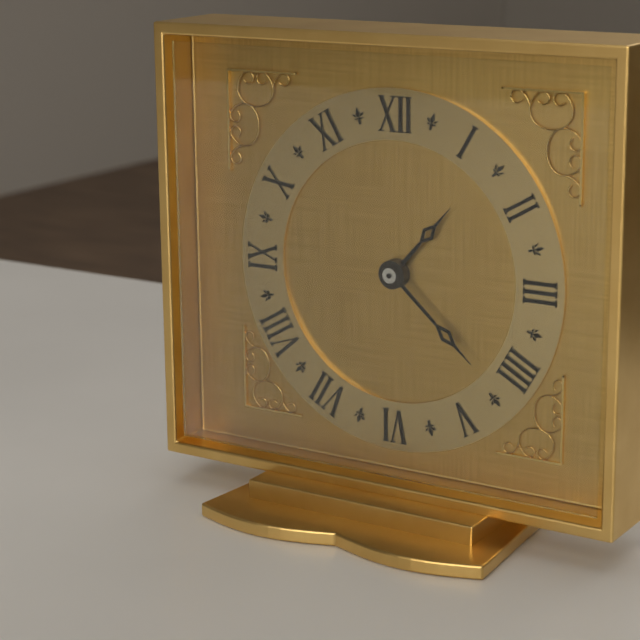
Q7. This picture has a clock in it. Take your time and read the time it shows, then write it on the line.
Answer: 1:22
